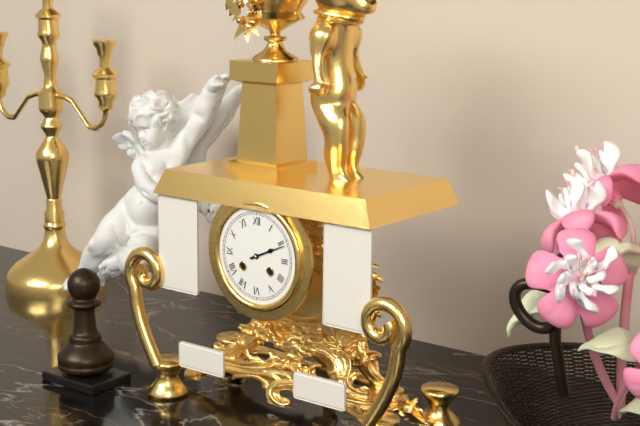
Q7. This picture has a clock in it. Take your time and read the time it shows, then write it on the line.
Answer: 2:11
